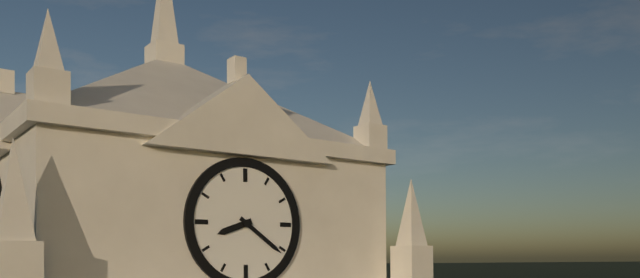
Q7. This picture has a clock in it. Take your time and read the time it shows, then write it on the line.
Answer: 8:21
